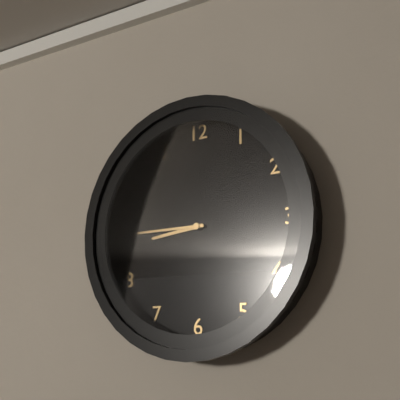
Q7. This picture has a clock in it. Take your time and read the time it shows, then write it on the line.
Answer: 8:45
